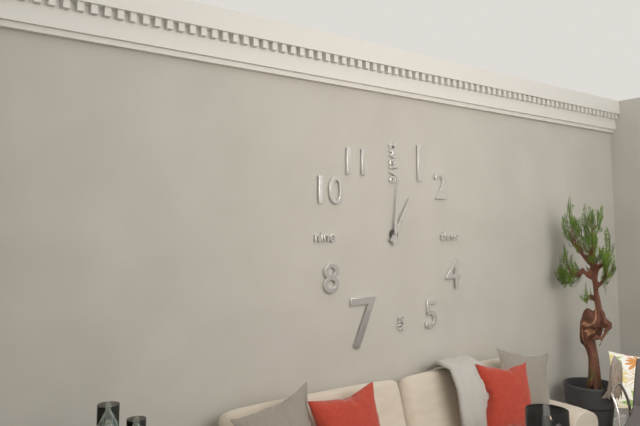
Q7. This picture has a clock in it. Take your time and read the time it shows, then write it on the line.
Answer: 1:01
